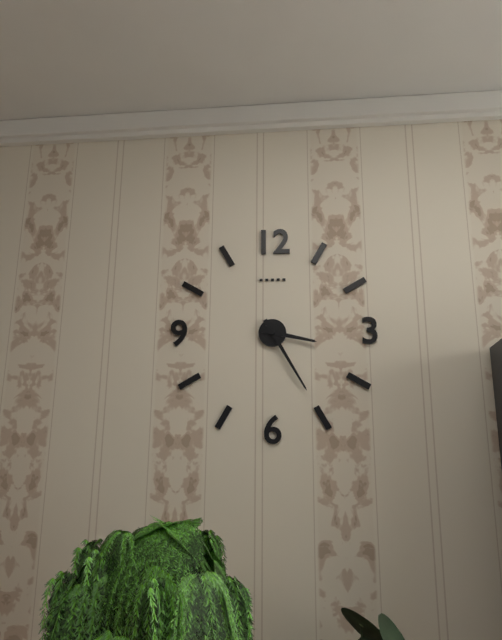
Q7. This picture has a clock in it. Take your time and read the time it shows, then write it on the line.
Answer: 3:25
